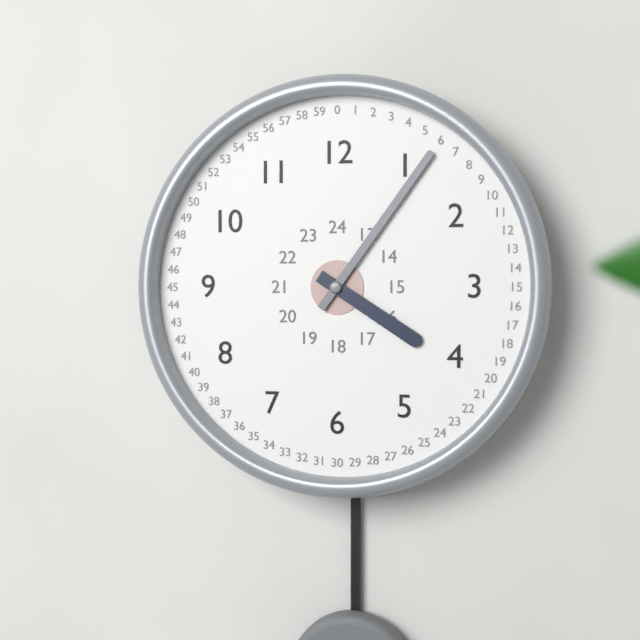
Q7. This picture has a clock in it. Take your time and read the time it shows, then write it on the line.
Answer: 4:06
